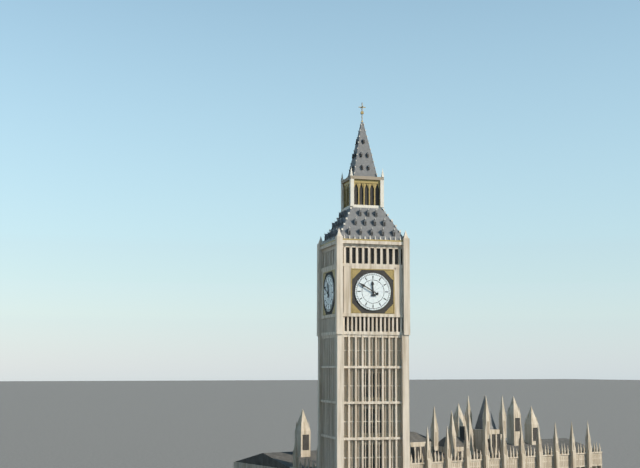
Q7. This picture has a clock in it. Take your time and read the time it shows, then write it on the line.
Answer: 11:50
